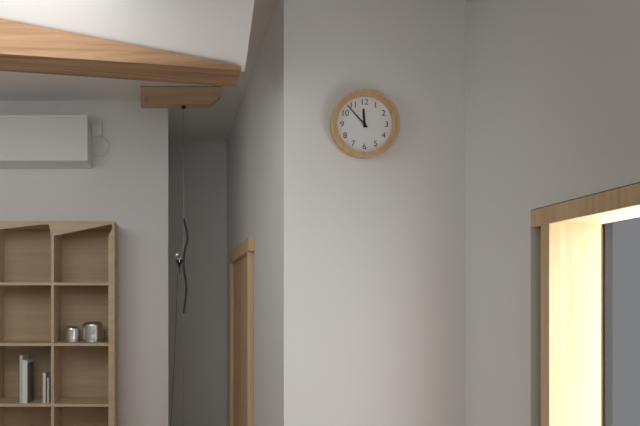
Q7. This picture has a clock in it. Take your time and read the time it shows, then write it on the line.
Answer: 11:53
